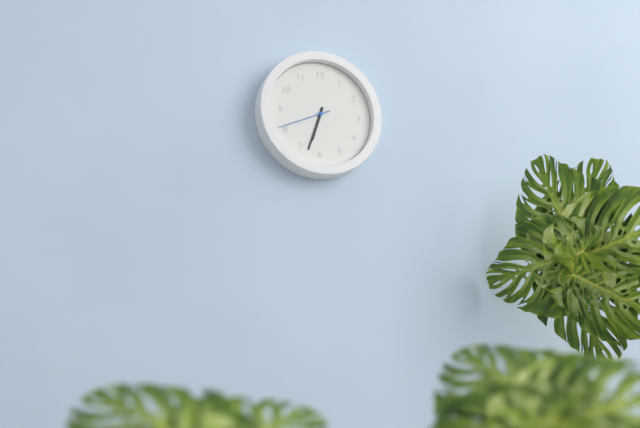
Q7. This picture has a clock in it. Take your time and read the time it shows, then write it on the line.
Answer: 6:33:41
